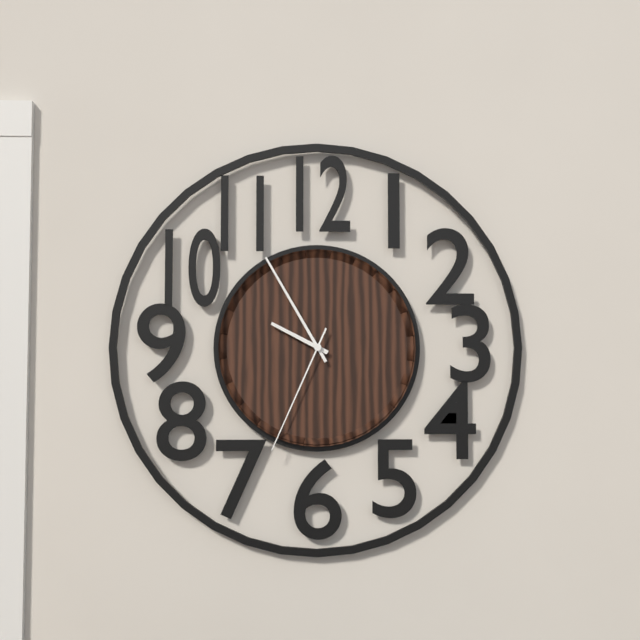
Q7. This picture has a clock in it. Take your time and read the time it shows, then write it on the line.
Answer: 9:55:34
